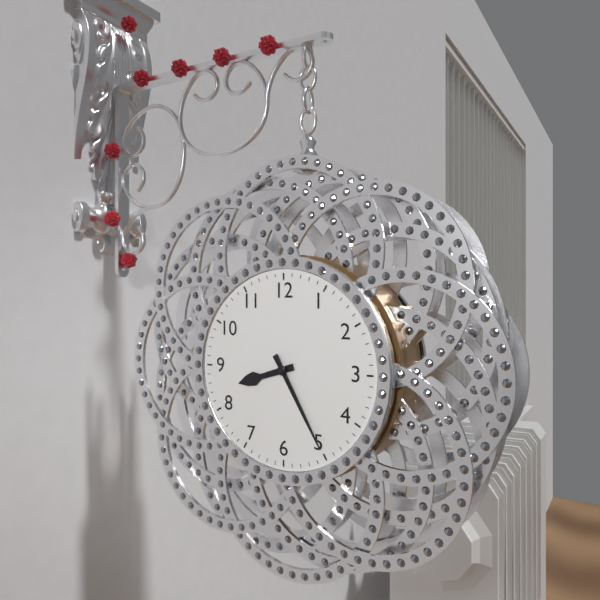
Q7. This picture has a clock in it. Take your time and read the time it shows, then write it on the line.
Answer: 8:25
